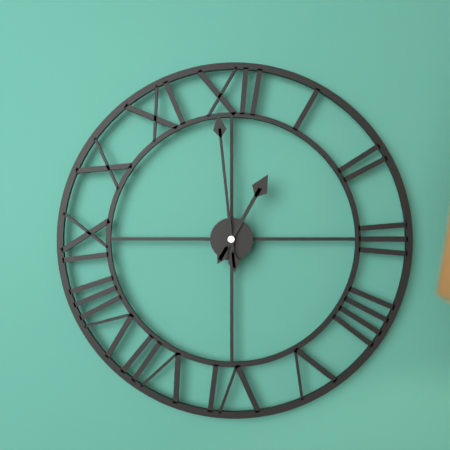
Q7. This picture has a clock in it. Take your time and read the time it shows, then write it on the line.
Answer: 12:59
